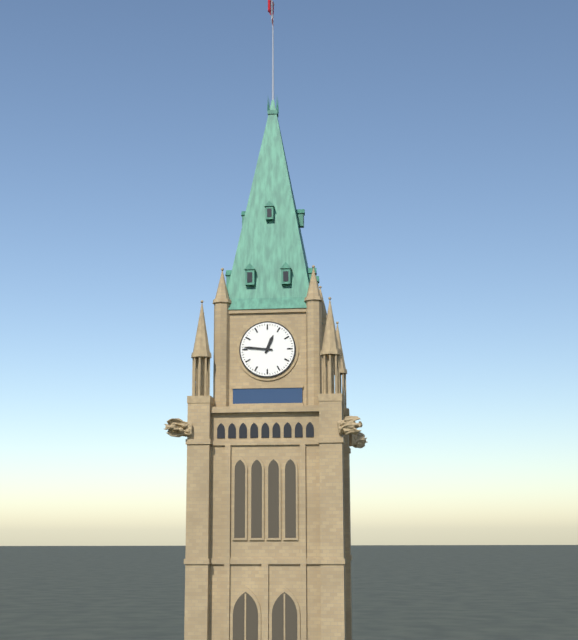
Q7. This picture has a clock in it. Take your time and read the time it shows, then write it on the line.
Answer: 12:46
